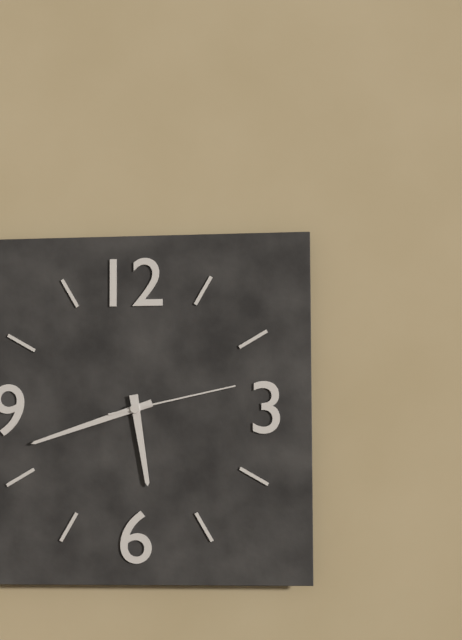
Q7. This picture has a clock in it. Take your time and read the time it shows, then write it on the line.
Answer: 5:42:13
